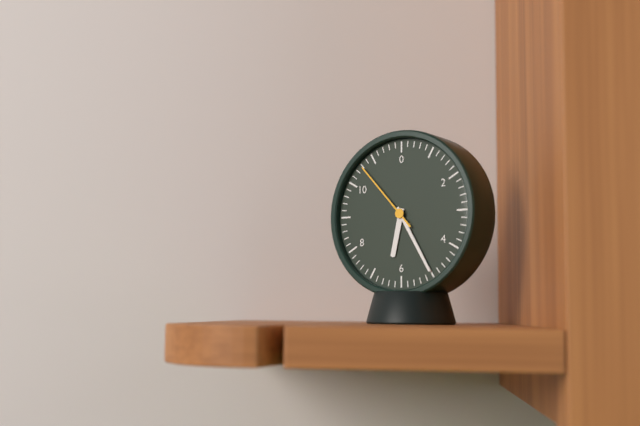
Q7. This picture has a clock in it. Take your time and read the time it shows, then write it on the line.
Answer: 6:25:53
